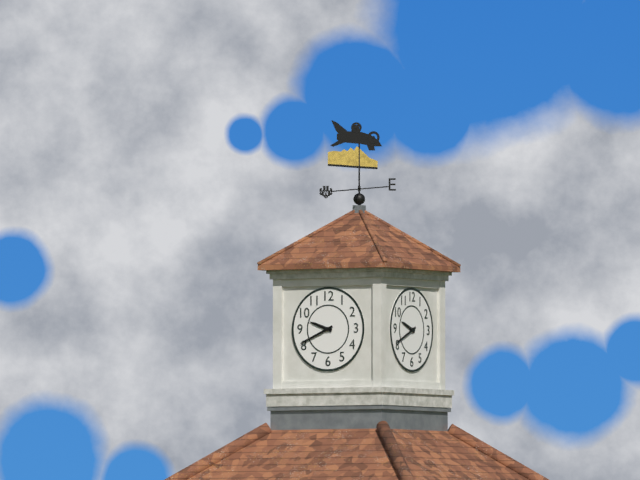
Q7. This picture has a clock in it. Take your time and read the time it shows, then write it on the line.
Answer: 9:41
